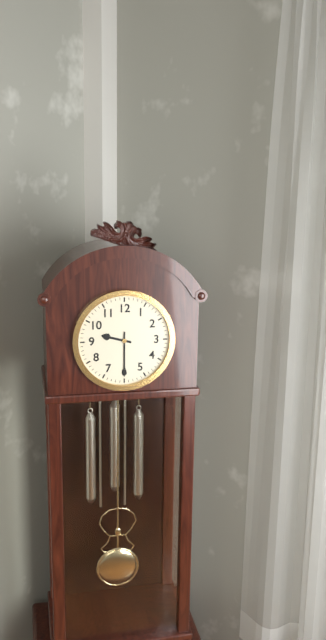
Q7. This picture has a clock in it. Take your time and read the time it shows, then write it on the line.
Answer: 9:30
